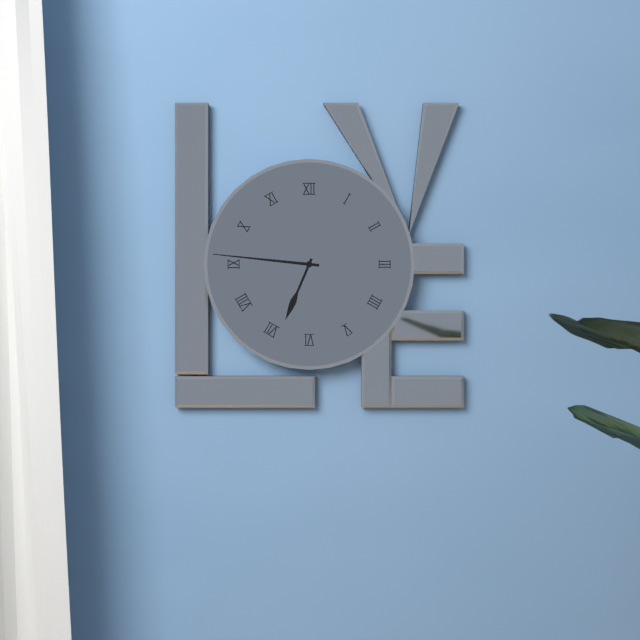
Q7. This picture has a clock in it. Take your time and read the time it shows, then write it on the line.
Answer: 6:46
